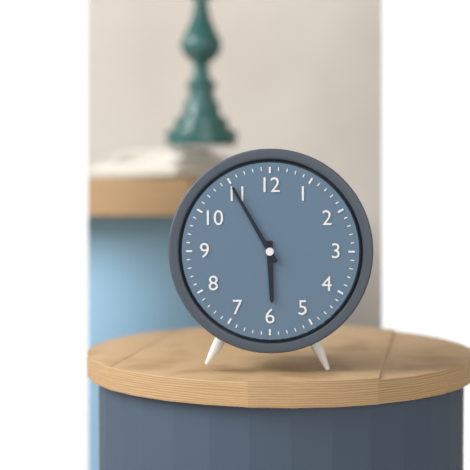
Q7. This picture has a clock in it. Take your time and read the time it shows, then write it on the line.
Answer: 5:55
